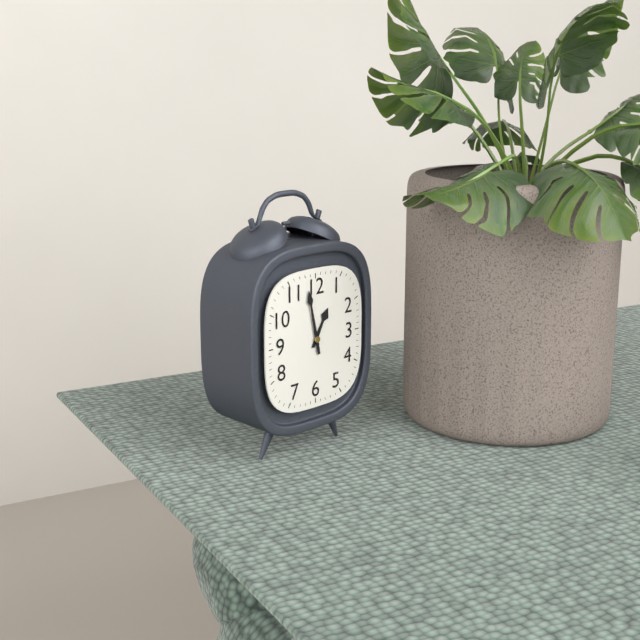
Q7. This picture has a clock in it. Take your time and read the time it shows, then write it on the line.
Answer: 12:58
